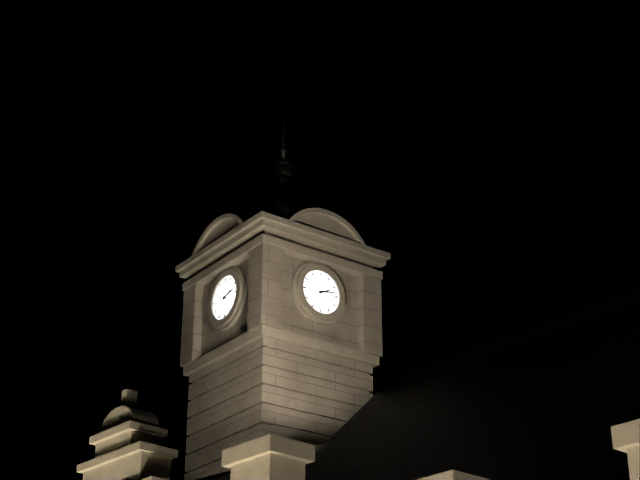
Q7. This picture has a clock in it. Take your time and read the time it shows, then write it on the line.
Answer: 2:13
